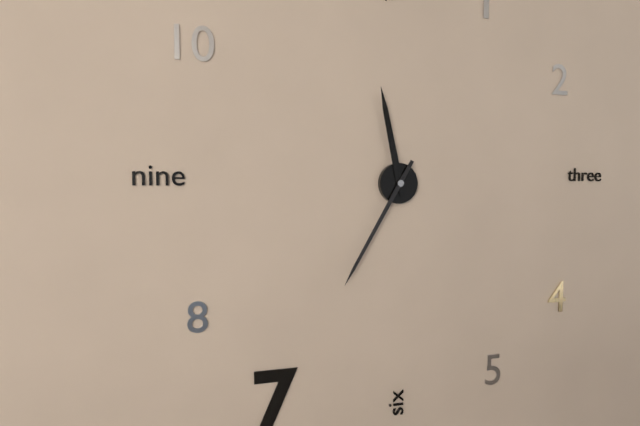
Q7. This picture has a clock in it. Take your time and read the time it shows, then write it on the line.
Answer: 11:35
